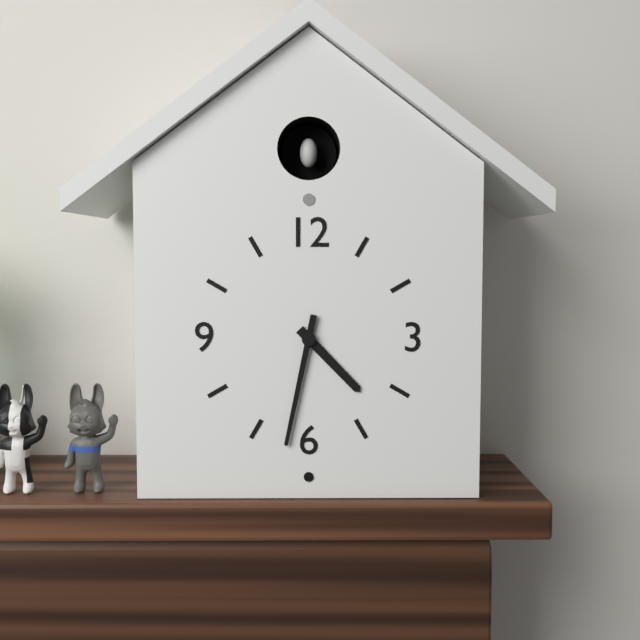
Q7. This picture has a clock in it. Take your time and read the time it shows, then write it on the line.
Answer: 4:32
